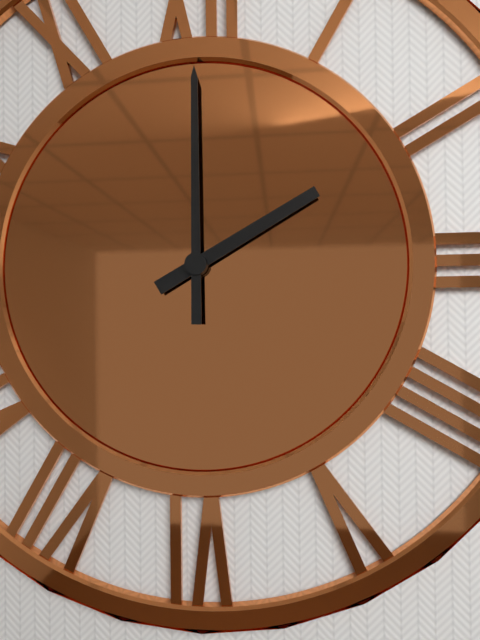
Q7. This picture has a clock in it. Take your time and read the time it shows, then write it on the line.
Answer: 2:00
